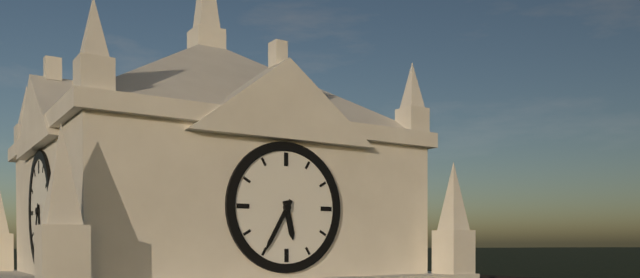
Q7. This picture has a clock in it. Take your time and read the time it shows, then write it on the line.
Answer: 5:35
